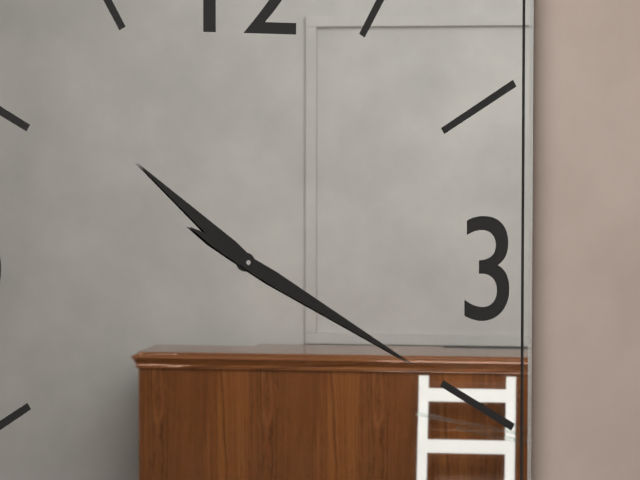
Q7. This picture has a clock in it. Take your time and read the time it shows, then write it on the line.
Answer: 10:20
